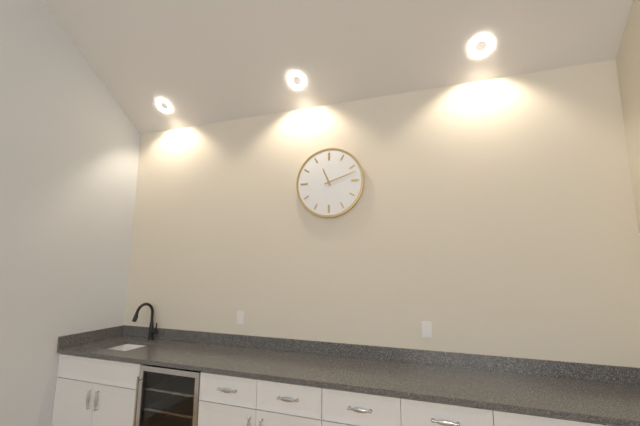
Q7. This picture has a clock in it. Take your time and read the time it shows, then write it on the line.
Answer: 11:12
